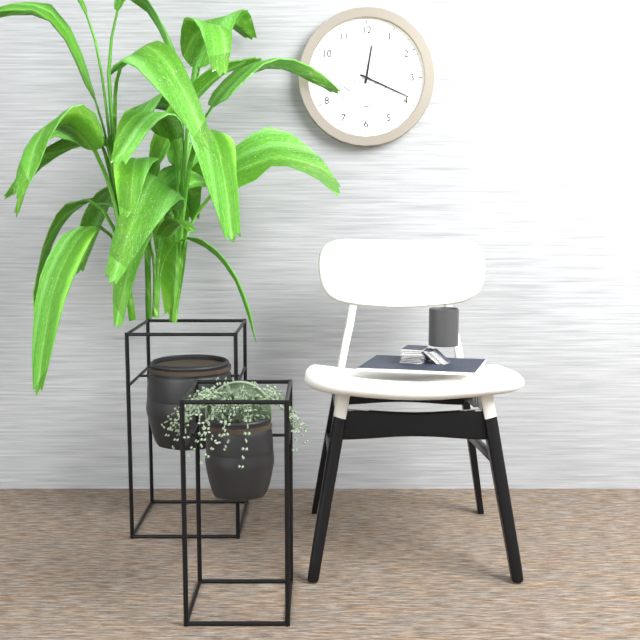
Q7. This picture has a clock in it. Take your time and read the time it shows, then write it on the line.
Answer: 12:19:13
